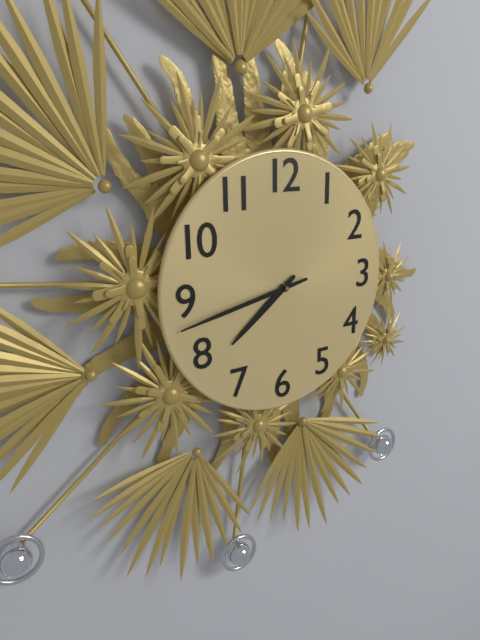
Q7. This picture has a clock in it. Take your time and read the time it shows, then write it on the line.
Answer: 7:43
